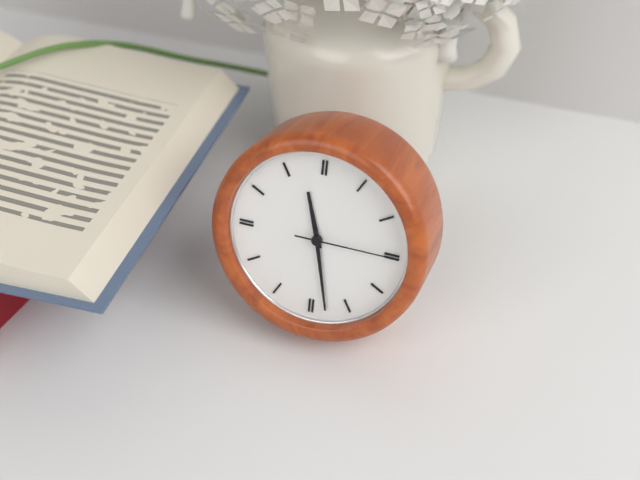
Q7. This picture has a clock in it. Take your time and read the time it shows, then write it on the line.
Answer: 11:28:15
